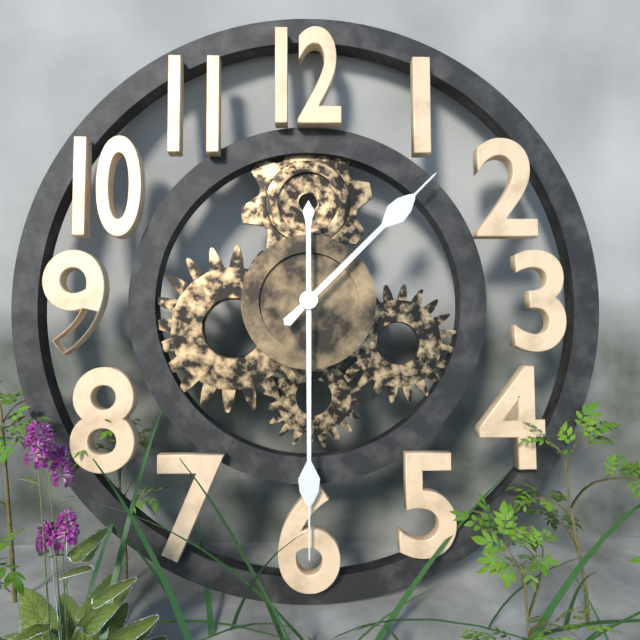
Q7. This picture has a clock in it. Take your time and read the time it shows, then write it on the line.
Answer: 1:30
